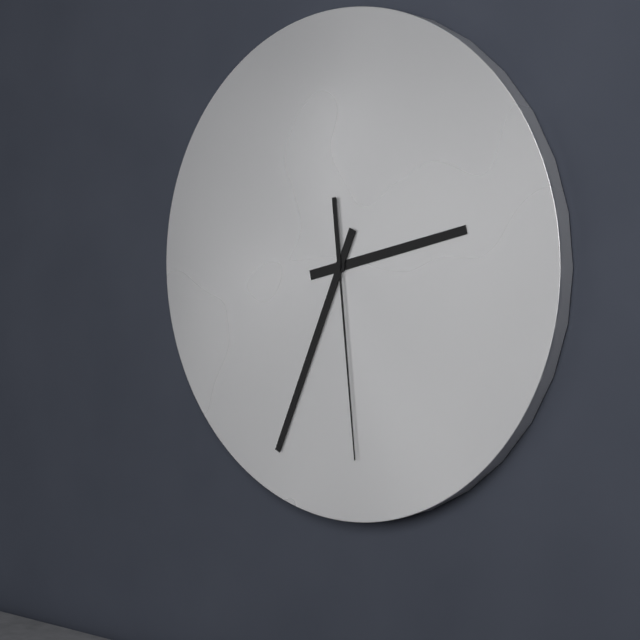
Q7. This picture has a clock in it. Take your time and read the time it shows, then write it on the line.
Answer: 2:34:29
